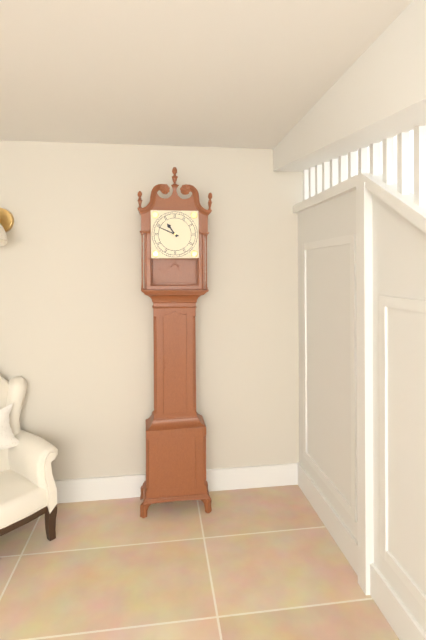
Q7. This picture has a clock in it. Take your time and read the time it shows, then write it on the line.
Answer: 10:49
